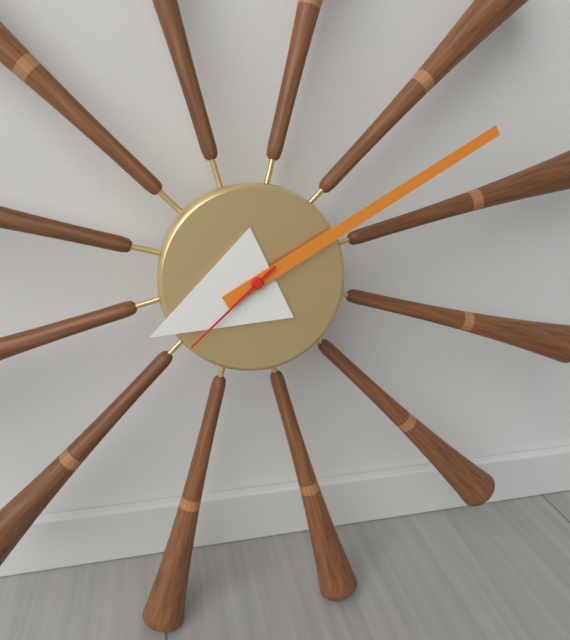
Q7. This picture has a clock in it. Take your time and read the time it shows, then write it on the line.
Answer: 8:10:38
